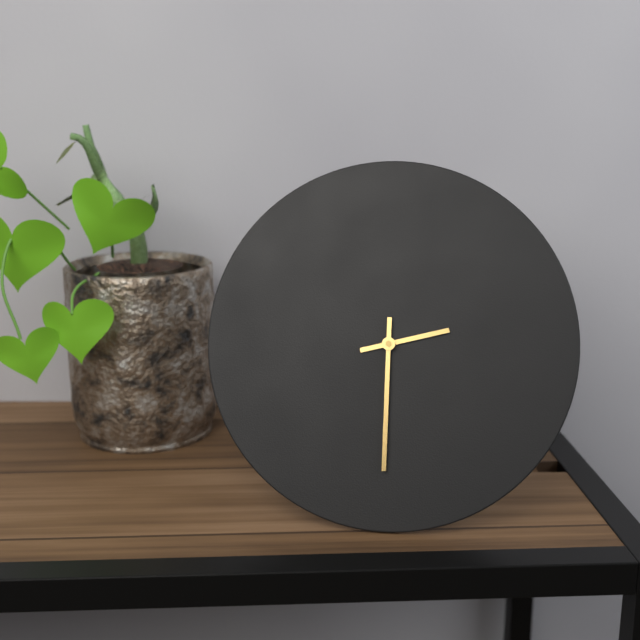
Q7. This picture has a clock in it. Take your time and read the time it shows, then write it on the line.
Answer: 2:30
